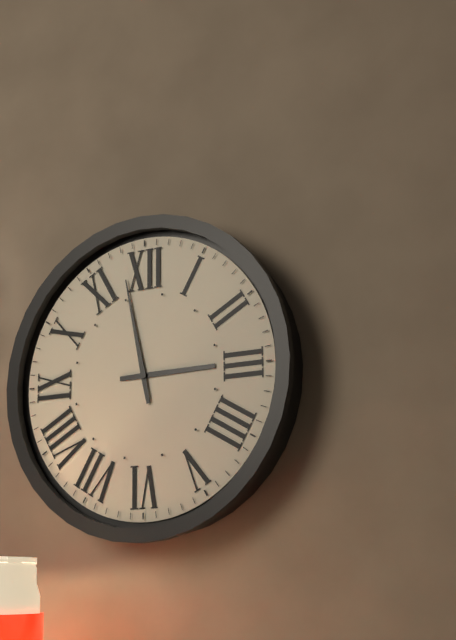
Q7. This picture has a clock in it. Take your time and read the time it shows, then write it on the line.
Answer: 2:58
